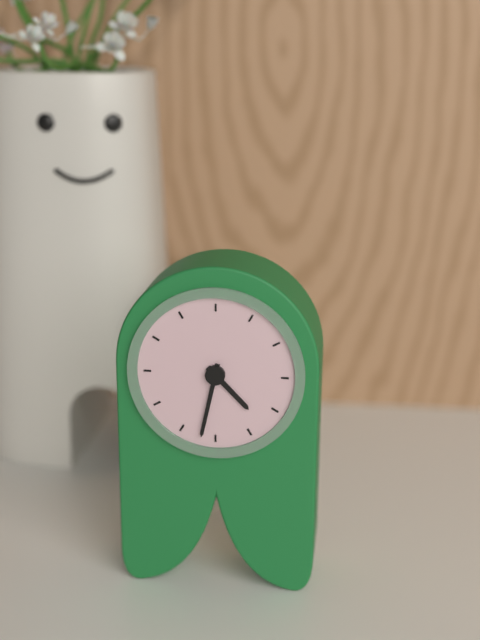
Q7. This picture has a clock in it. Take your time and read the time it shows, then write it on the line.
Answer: 4:32
